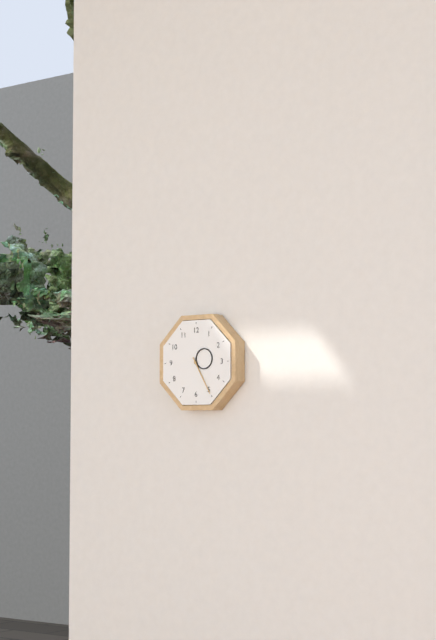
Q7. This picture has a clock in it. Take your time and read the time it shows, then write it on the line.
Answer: 2:25
